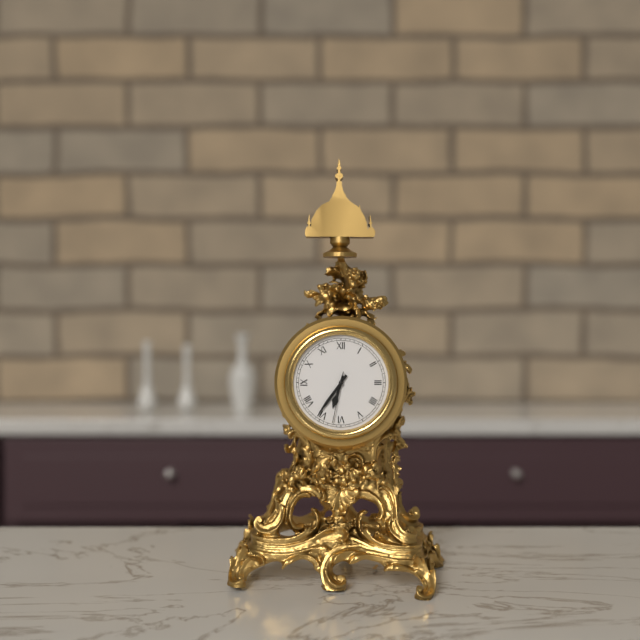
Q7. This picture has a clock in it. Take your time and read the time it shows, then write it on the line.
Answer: 6:36:32
